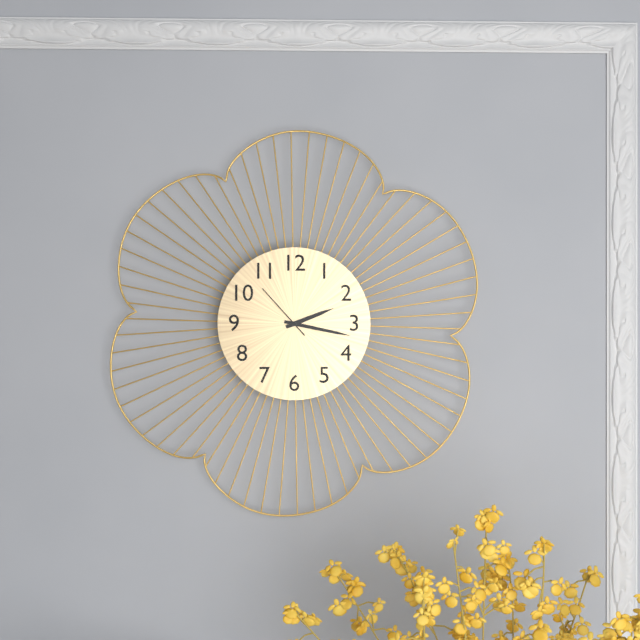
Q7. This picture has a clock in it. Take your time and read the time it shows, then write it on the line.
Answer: 2:17:53
